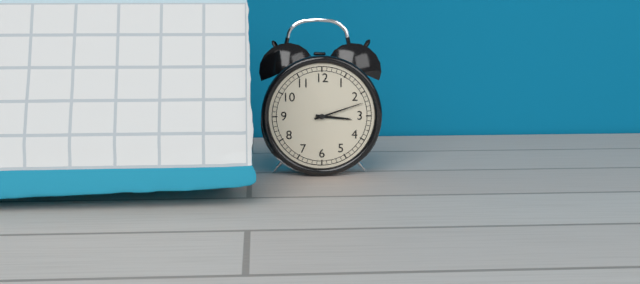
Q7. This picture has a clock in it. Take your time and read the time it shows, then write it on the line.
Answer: 3:12
